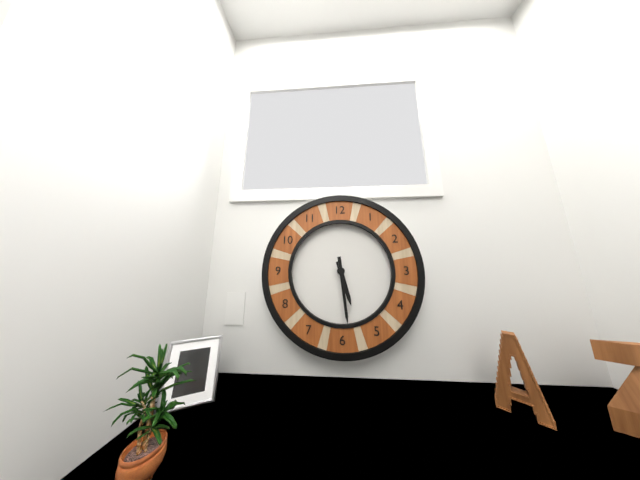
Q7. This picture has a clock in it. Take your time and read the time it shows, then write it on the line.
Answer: 5:29
